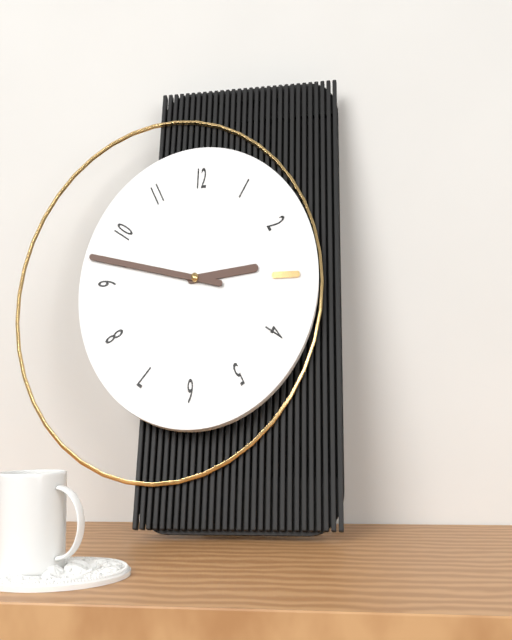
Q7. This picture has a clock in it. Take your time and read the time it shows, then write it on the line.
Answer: 2:47
